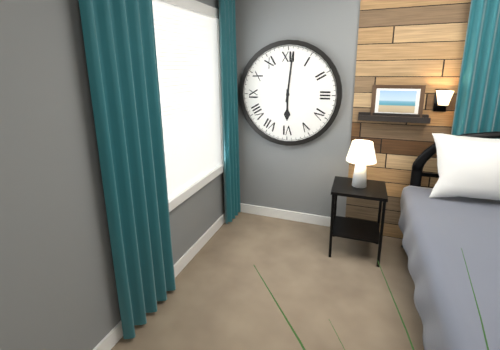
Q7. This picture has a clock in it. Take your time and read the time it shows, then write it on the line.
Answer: 6:01
